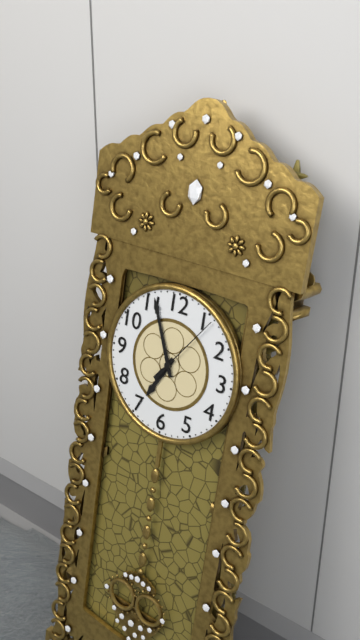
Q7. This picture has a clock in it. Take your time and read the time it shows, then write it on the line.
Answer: 6:56:06
